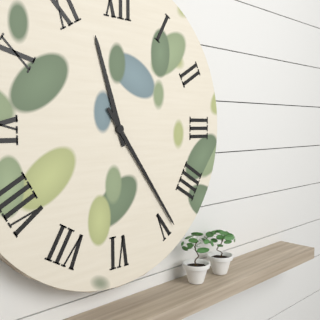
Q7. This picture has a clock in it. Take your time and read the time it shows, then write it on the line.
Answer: 11:24
